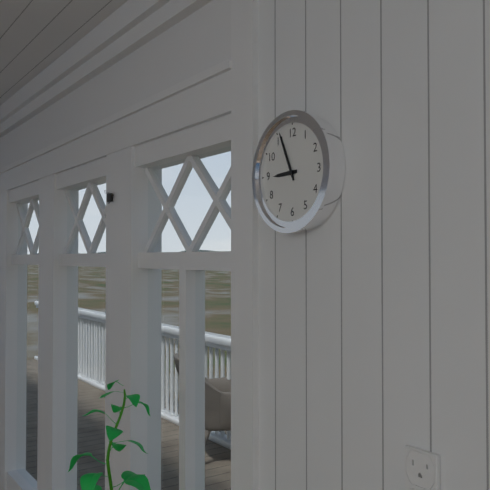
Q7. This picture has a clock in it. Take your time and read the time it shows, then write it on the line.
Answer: 8:56
